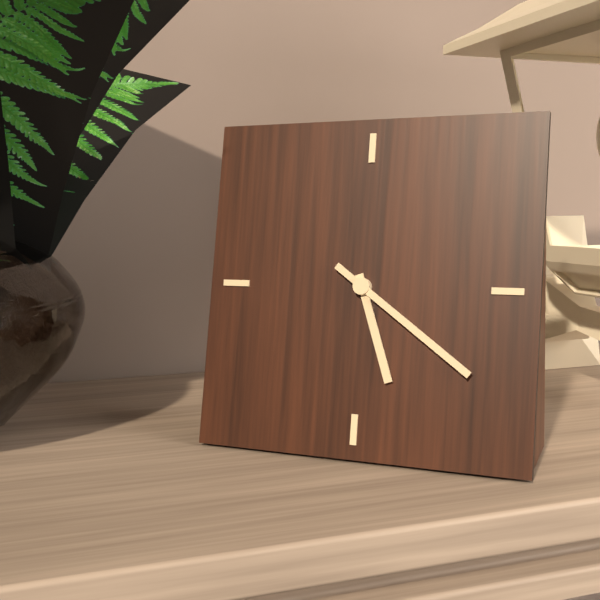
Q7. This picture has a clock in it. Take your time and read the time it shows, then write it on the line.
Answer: 5:21
